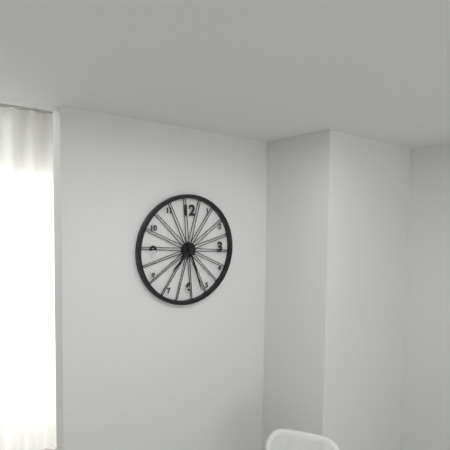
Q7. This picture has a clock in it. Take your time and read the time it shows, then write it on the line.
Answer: 7:27
